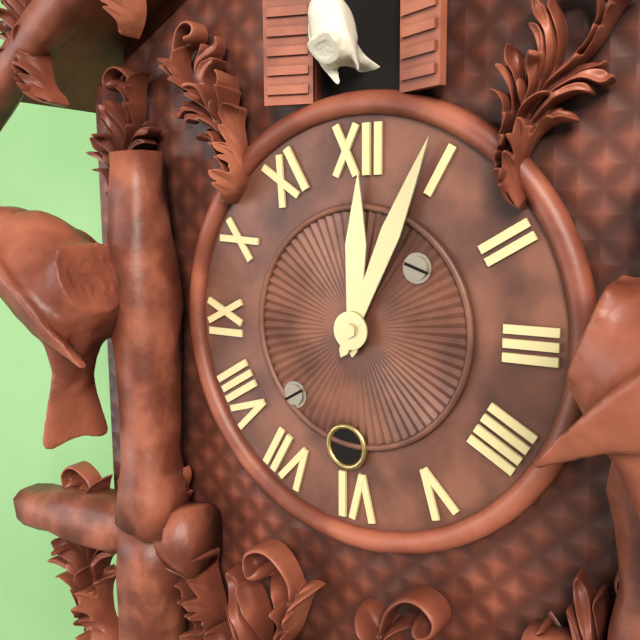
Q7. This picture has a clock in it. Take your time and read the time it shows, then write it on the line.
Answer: 12:04
